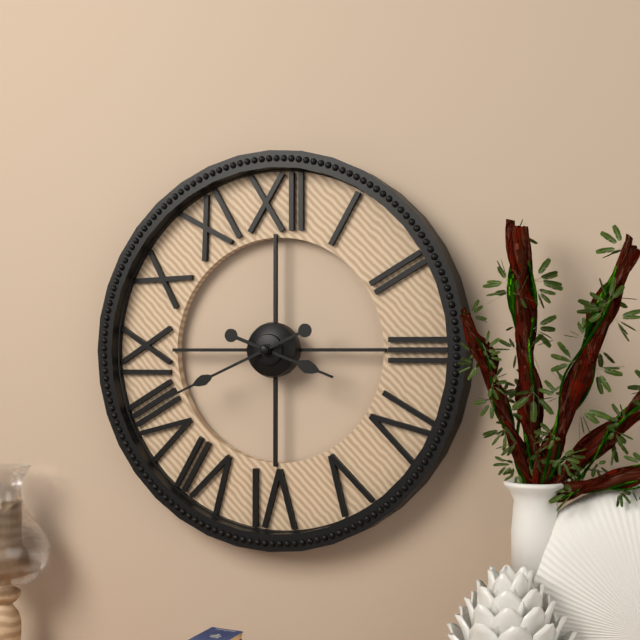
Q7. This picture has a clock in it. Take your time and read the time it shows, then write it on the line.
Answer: 3:41
